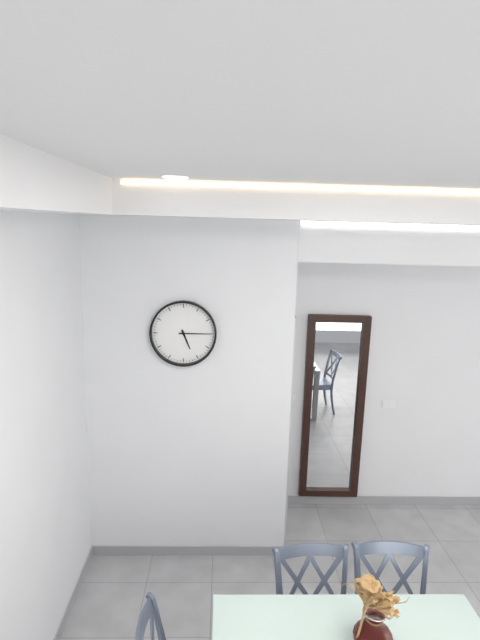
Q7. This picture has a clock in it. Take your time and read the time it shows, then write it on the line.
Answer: 5:15
